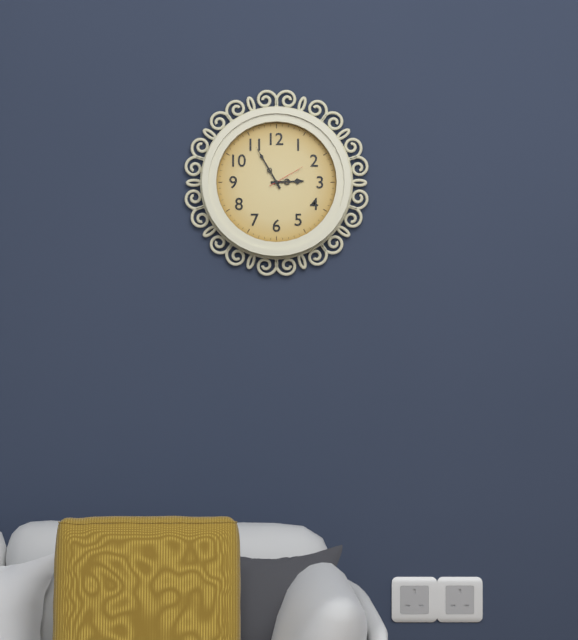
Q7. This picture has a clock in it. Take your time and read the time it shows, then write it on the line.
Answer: 2:55
